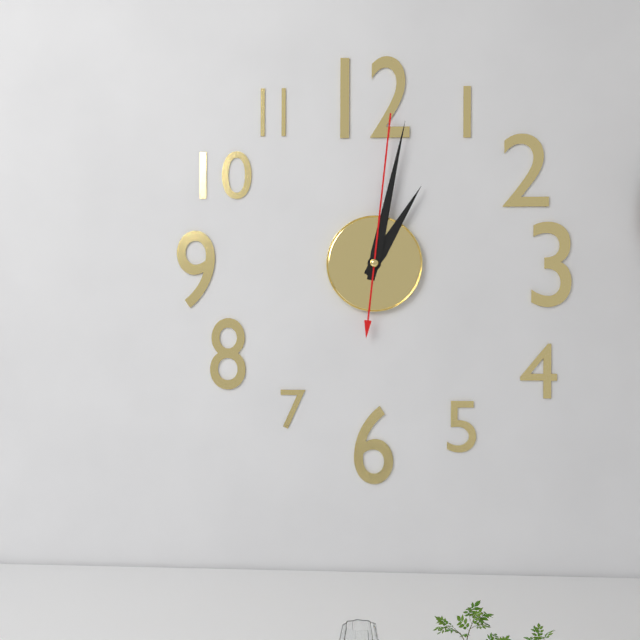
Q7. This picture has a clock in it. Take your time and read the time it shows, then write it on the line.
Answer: 1:02:01
